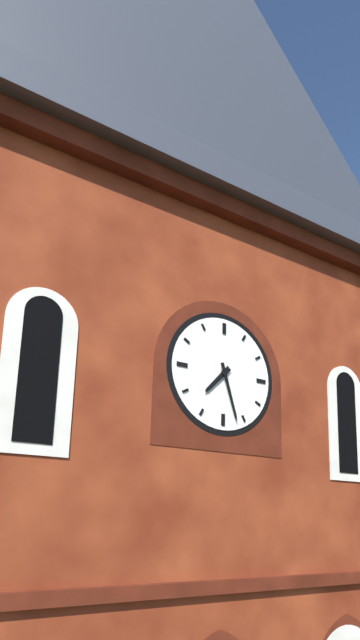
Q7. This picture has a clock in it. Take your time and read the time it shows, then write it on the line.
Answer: 7:27
